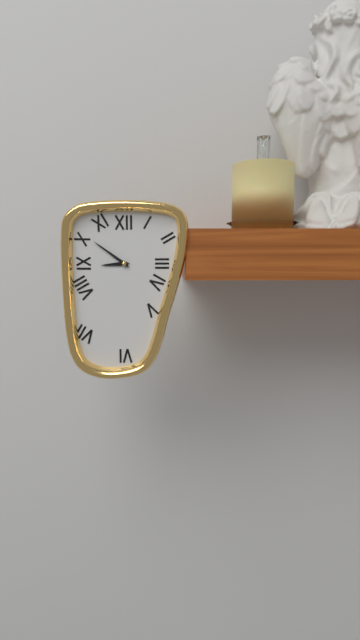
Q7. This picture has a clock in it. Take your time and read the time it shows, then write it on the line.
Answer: 8:51
